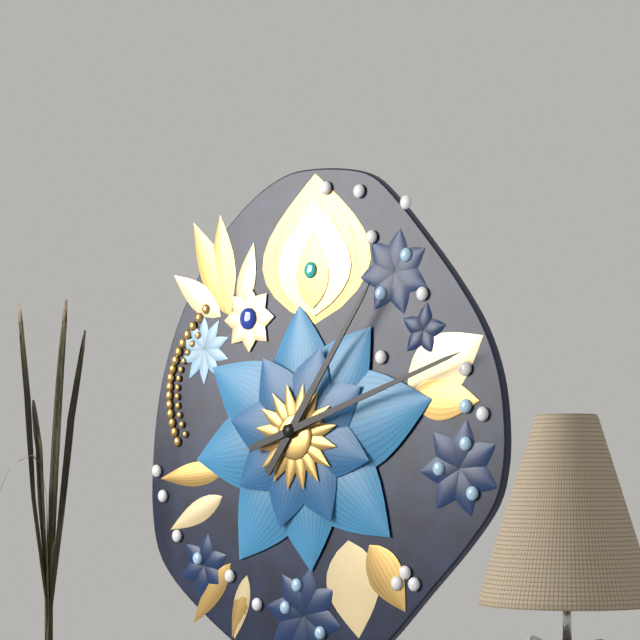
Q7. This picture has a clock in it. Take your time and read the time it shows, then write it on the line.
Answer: 1:12
